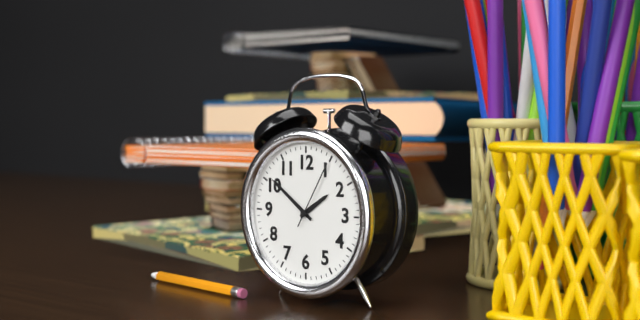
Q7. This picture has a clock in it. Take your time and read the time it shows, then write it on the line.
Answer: 1:51:05
